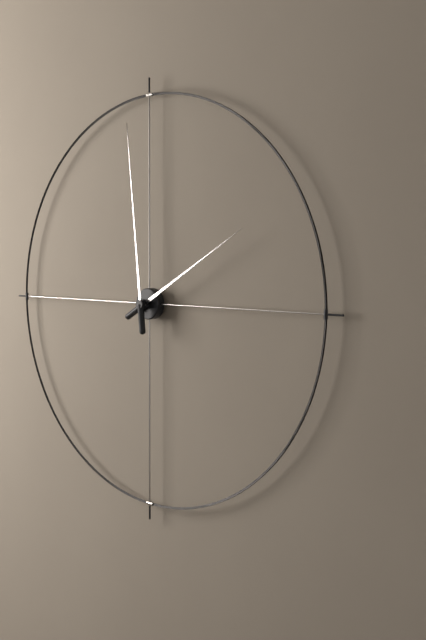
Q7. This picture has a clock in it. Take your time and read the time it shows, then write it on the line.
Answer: 1:59
